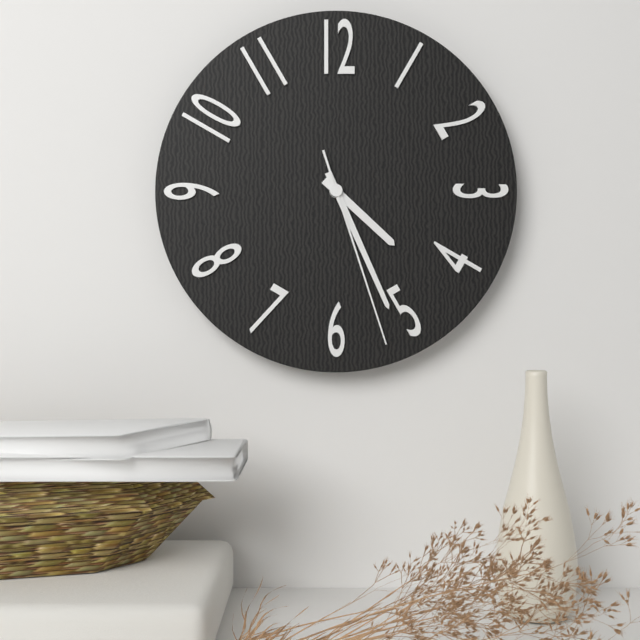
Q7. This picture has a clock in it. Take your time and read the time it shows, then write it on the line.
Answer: 4:26:27
